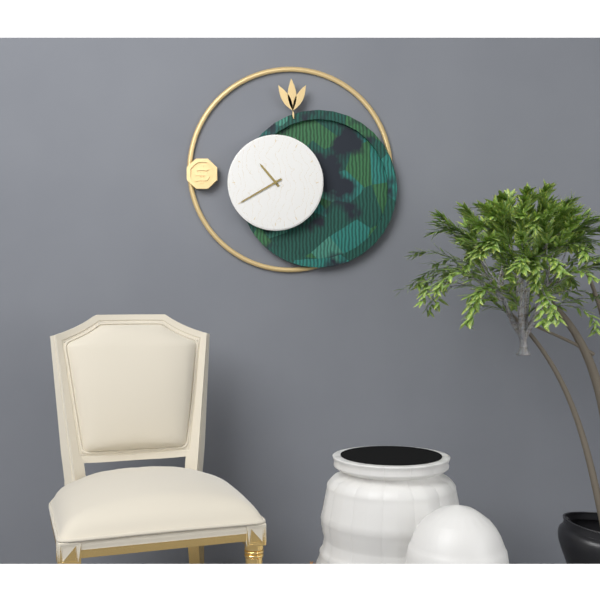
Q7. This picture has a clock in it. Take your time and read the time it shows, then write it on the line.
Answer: 10:40
